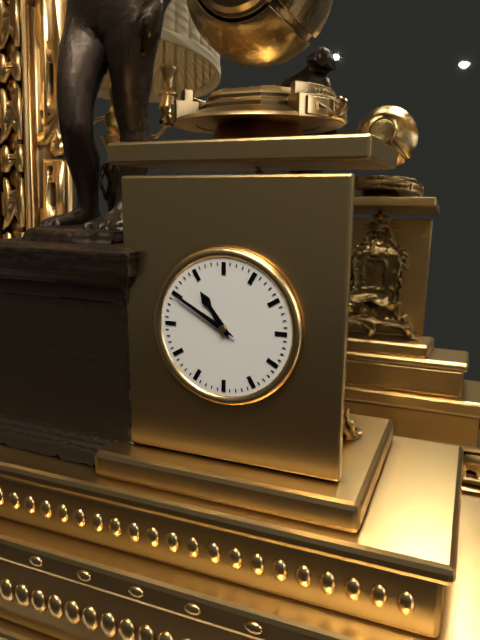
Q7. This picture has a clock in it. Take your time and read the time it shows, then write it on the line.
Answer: 10:50
